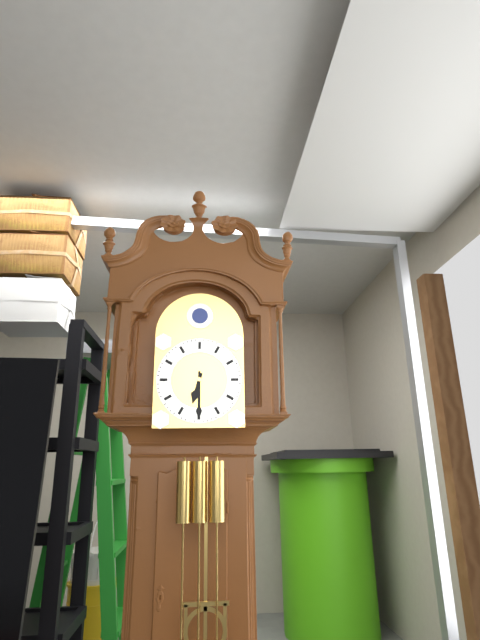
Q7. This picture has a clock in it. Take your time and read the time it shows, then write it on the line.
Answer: 6:30
